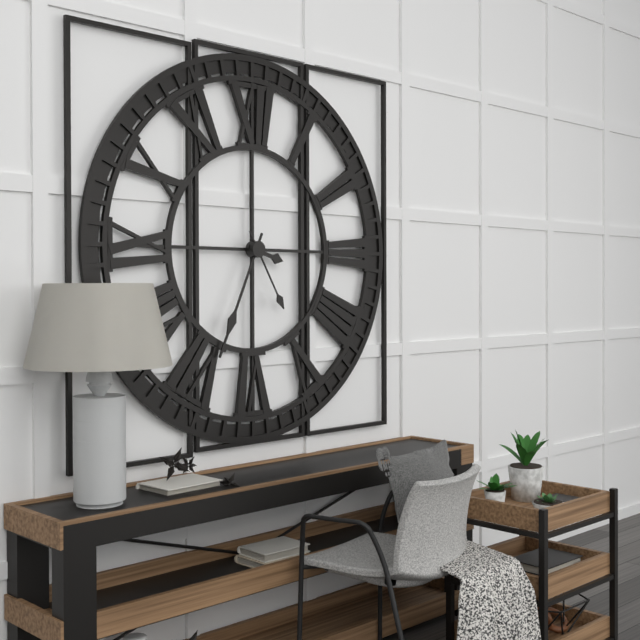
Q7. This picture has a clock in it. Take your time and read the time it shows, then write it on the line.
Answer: 3:34:25
